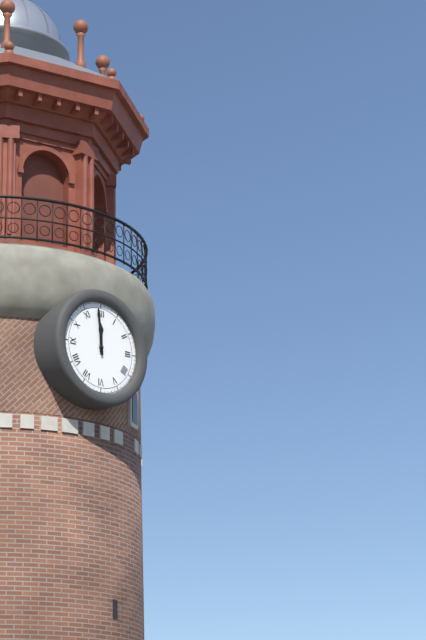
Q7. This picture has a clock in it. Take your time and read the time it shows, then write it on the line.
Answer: 11:59
